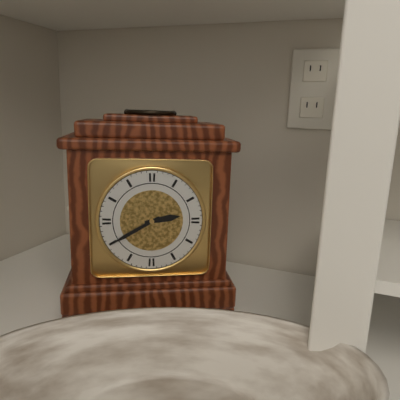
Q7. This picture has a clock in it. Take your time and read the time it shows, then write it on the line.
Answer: 2:40
